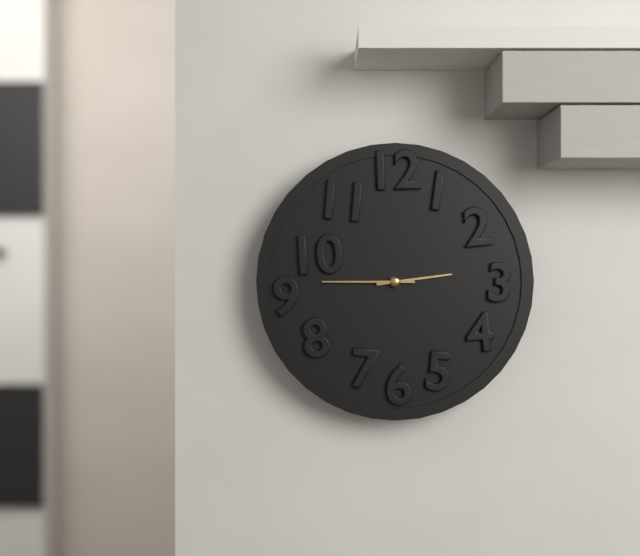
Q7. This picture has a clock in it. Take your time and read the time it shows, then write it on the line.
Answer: 2:45
